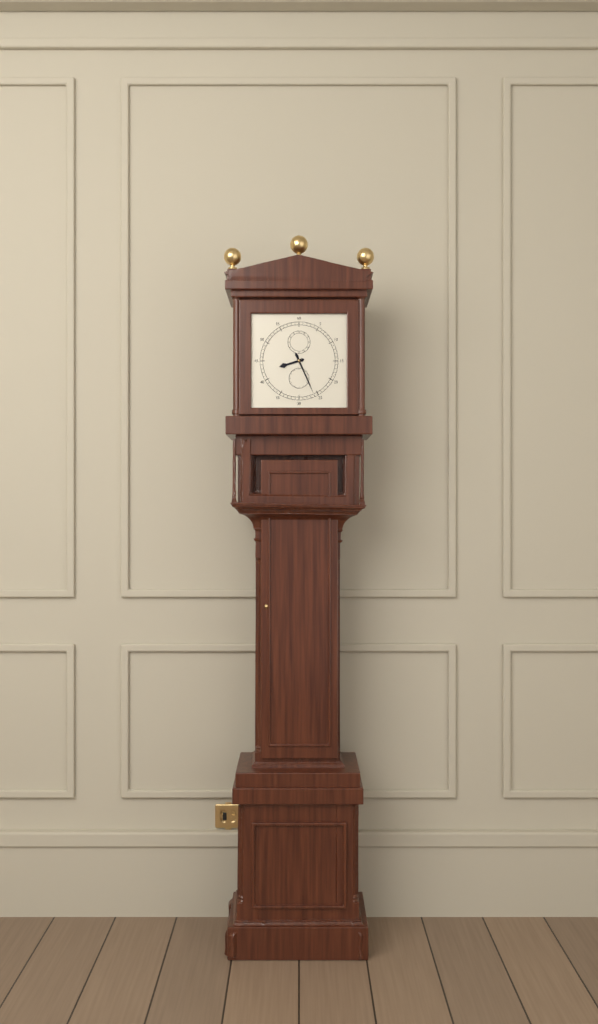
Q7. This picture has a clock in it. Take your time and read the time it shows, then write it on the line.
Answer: 8:26
